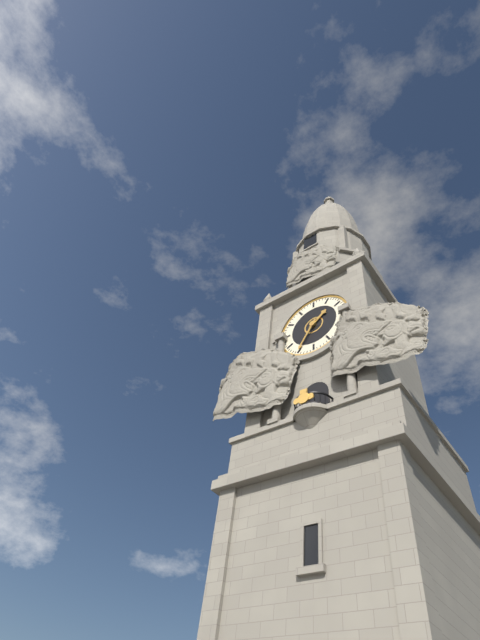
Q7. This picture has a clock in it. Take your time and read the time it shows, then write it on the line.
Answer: 1:35
